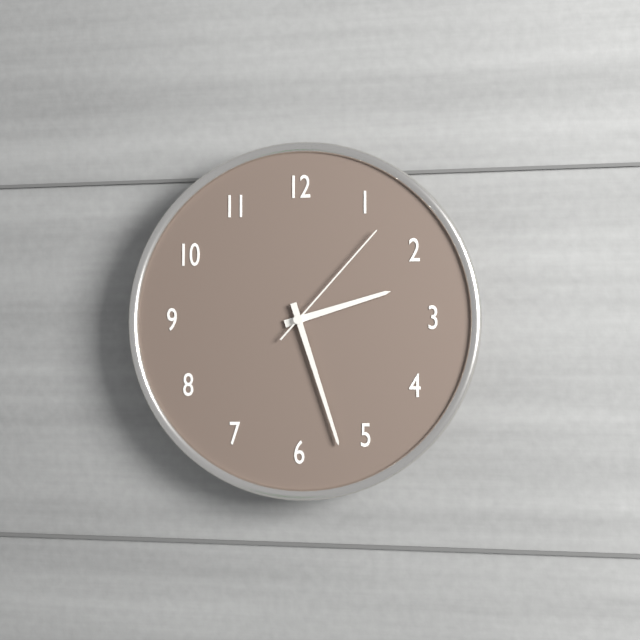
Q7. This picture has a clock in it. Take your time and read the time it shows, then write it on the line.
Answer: 2:27:07
